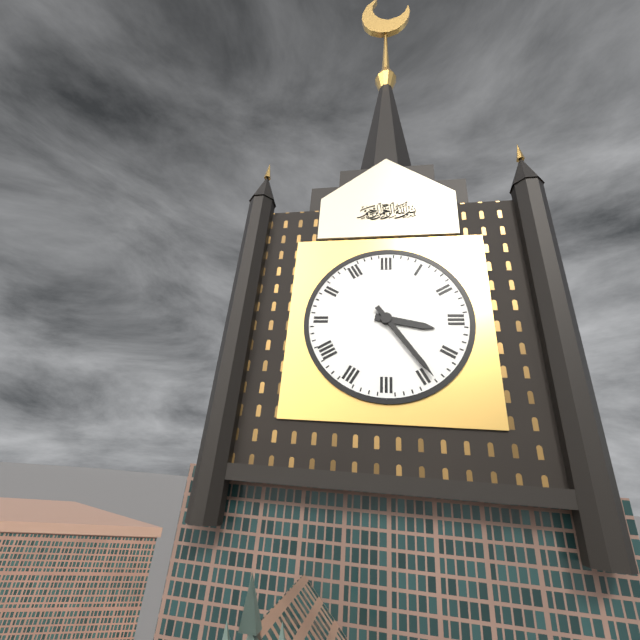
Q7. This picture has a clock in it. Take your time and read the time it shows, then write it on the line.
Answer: 3:24
